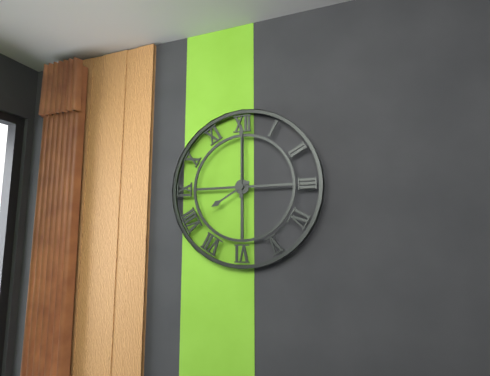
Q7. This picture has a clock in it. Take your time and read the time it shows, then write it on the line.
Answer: 8:00
